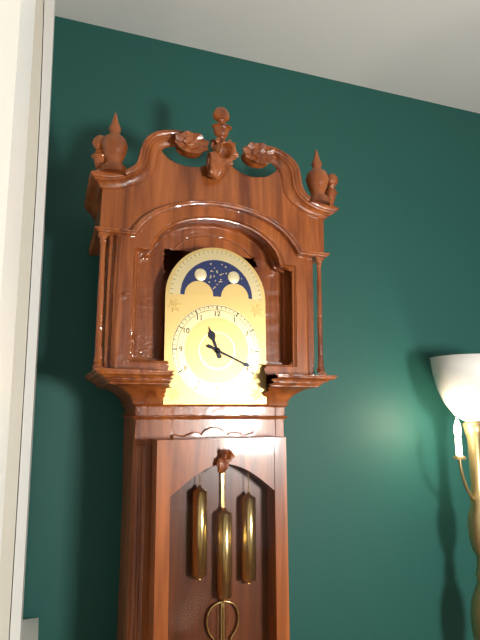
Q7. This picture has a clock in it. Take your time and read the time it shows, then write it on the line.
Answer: 11:19
